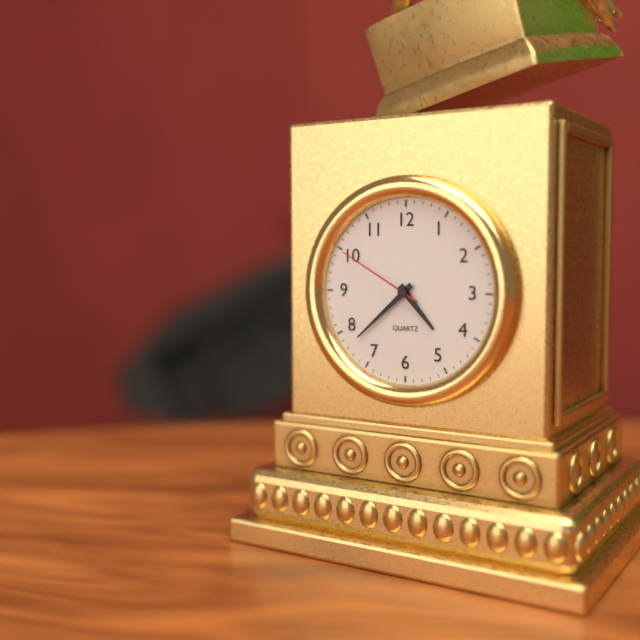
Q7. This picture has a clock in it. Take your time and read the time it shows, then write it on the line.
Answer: 4:38:50
